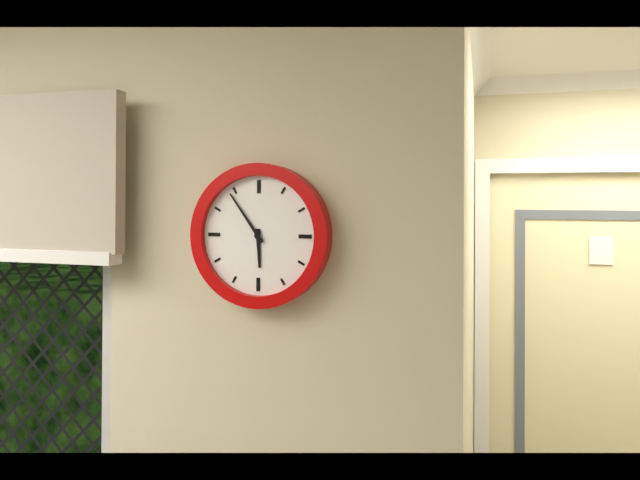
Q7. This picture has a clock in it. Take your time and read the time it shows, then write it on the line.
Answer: 5:54
